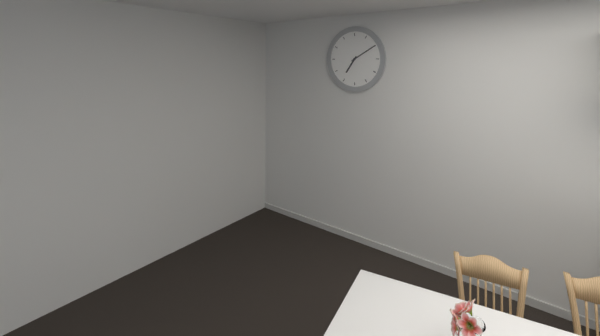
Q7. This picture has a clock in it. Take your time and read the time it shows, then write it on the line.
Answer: 7:10
